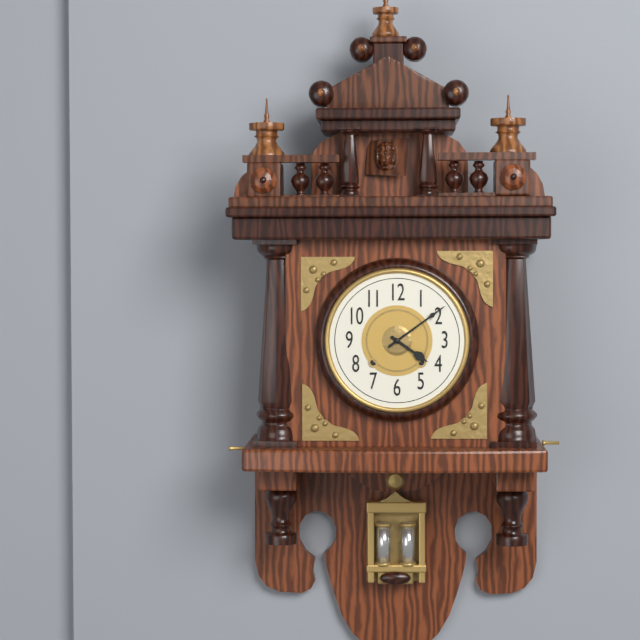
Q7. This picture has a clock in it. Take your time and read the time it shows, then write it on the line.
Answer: 4:09
